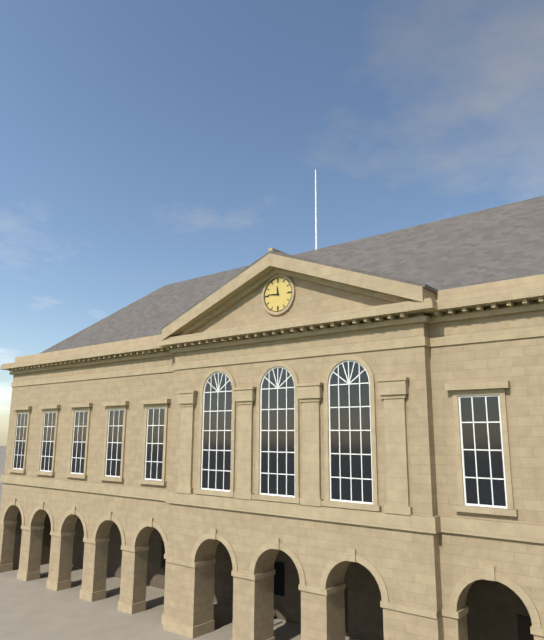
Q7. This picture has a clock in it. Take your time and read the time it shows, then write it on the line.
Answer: 11:46
